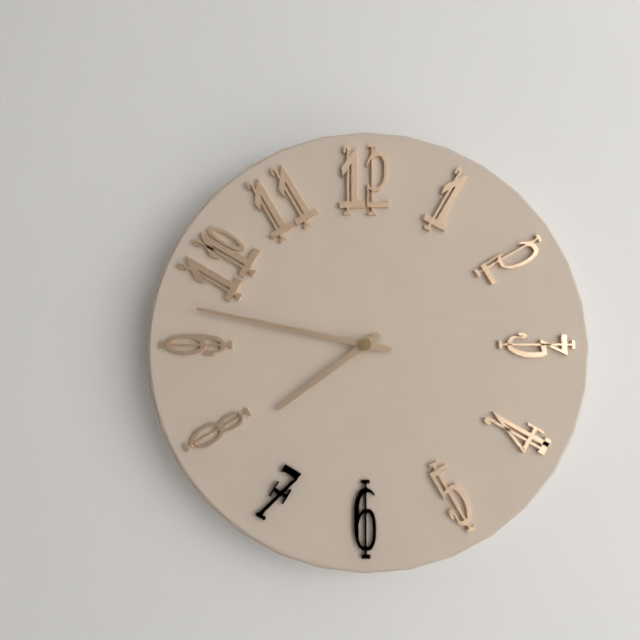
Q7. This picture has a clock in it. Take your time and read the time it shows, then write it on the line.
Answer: 7:47
